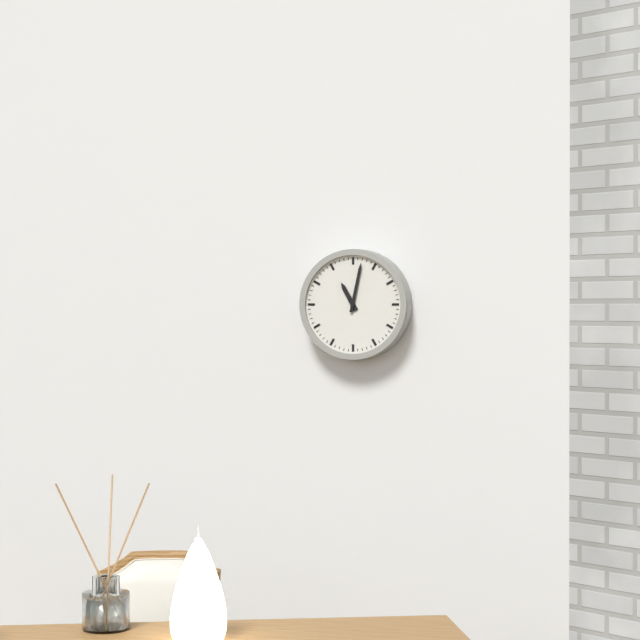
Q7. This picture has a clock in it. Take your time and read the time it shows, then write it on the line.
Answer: 11:02
